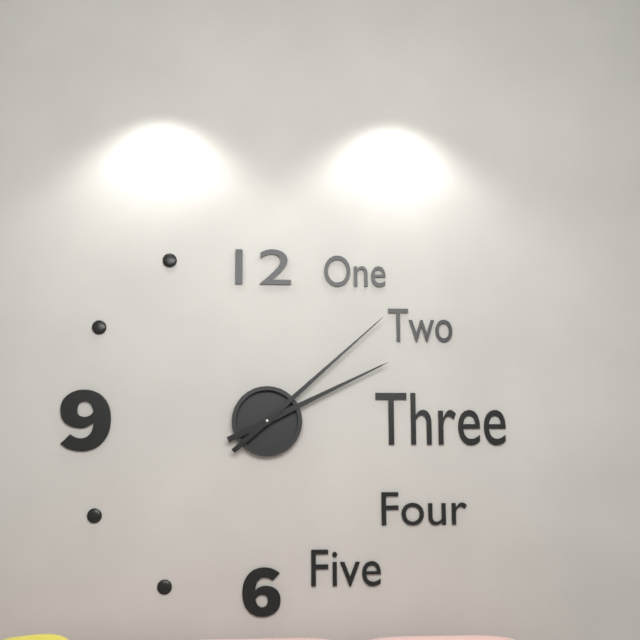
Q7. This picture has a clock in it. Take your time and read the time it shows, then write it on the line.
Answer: 2:08
